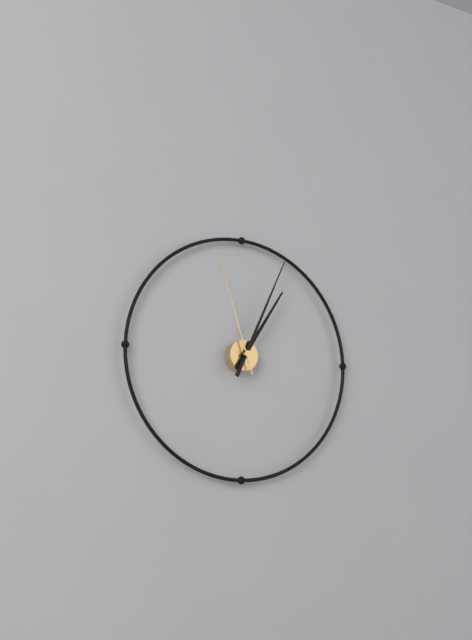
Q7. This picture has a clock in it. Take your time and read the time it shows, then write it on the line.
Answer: 1:04:57
